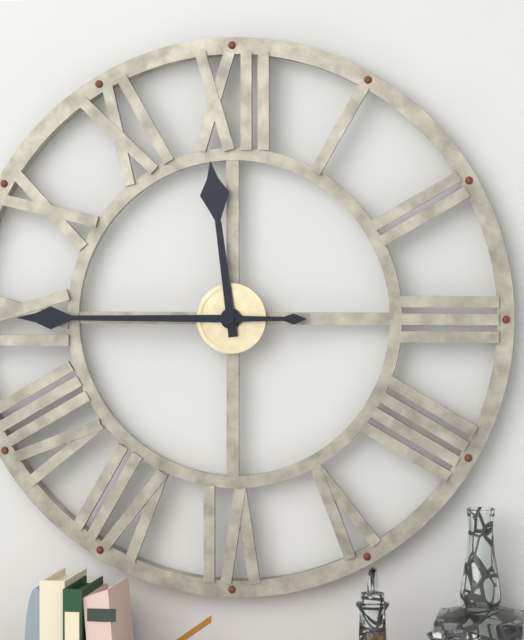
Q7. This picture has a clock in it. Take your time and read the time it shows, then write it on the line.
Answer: 11:45
